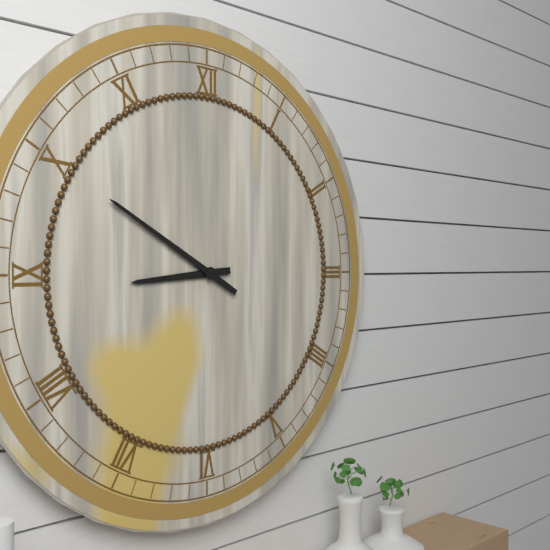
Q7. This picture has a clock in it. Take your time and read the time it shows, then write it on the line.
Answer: 8:50
